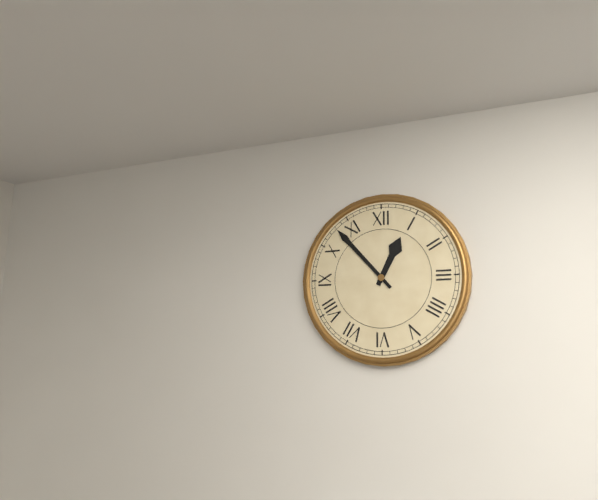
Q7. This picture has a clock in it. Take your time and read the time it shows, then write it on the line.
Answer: 12:53
